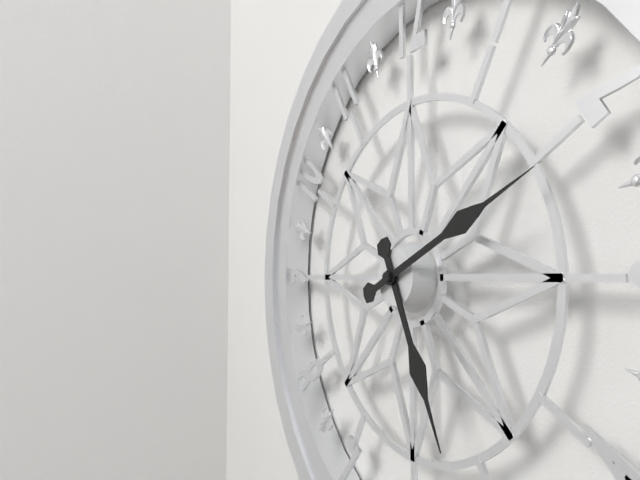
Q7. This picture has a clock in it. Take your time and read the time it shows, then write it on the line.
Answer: 5:11
